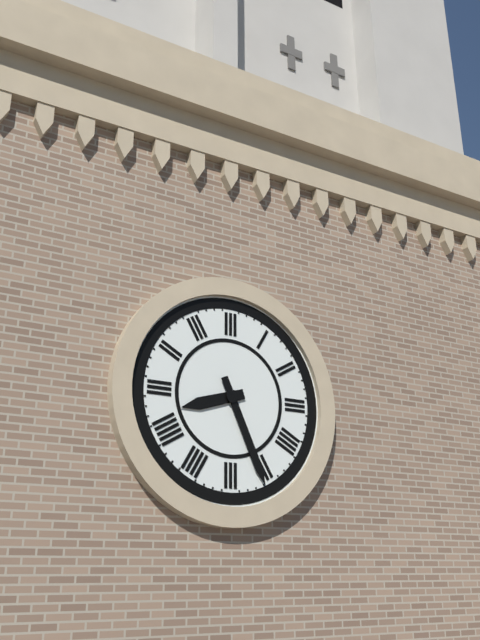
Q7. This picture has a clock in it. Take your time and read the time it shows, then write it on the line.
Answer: 8:26
